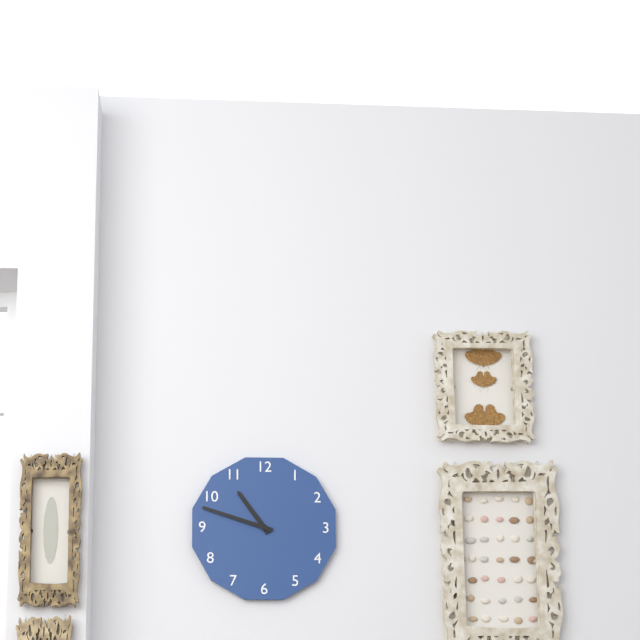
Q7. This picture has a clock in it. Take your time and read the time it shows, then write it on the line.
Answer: 10:48
